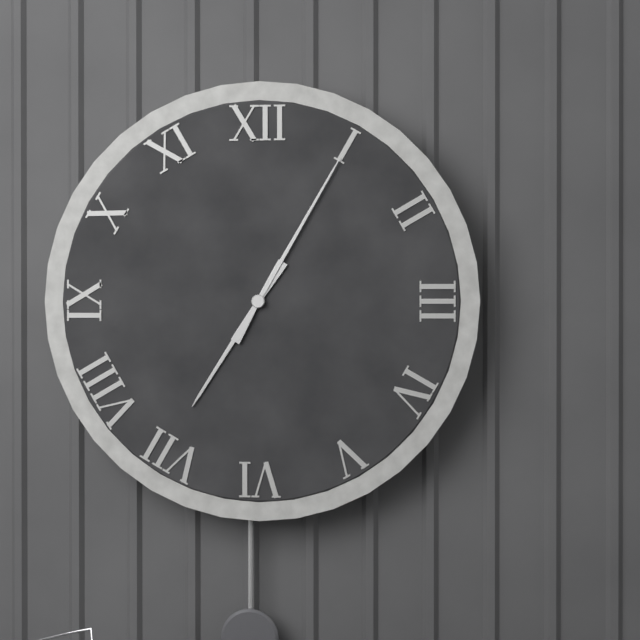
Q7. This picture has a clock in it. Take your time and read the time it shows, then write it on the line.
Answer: 7:05
